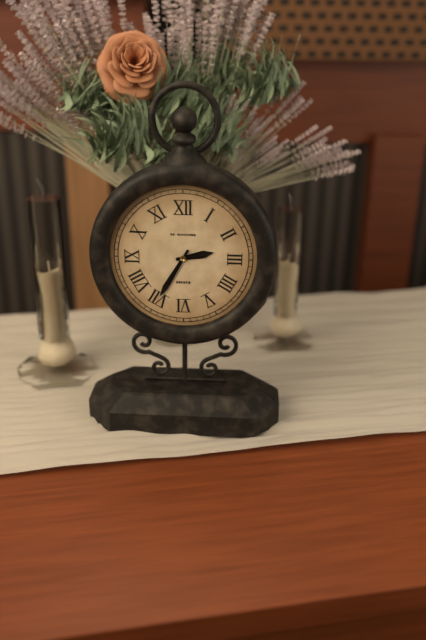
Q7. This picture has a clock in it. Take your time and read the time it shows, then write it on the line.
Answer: 2:35
